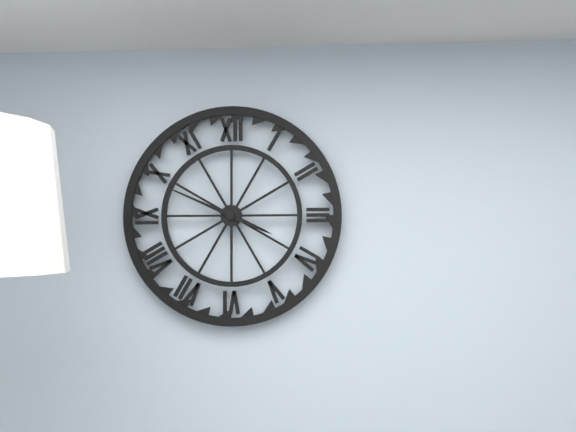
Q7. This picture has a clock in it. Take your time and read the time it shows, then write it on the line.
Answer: 3:49
